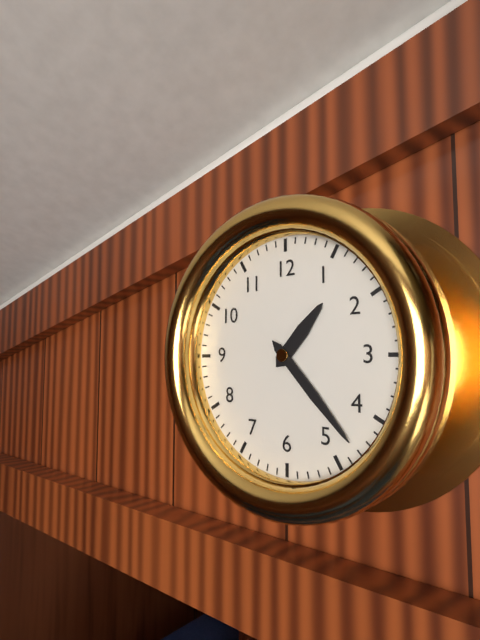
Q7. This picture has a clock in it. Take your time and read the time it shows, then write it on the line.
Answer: 1:23
